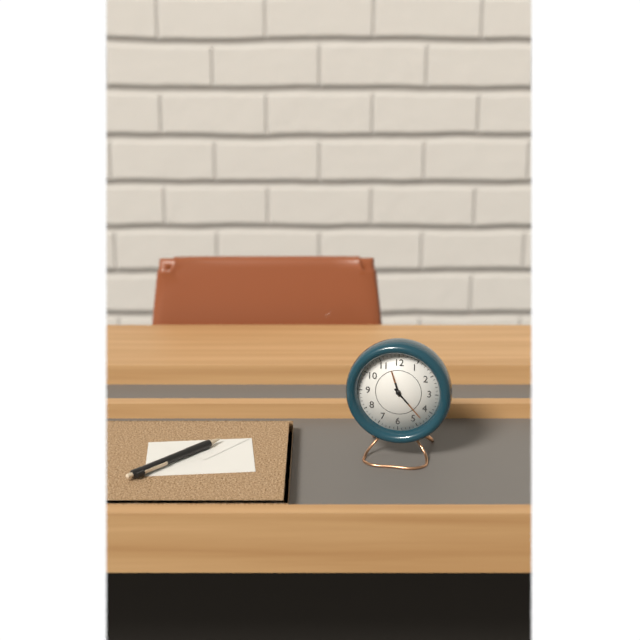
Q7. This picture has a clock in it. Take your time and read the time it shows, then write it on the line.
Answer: 11:23
